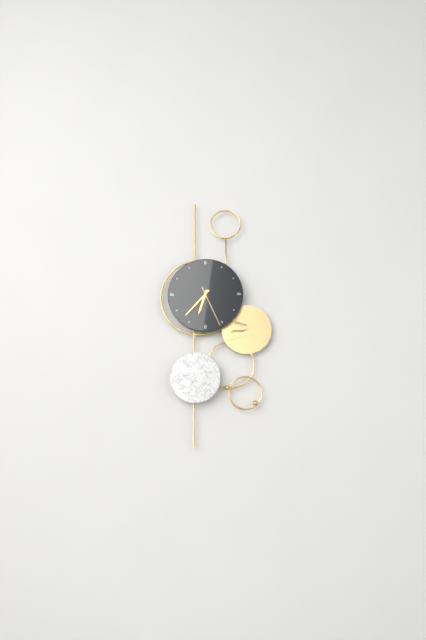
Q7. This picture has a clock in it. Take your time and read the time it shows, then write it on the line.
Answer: 6:37
